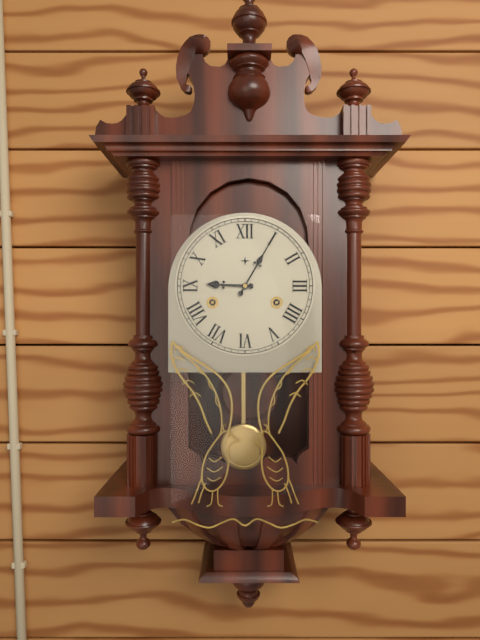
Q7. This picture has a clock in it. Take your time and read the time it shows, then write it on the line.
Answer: 9:05
